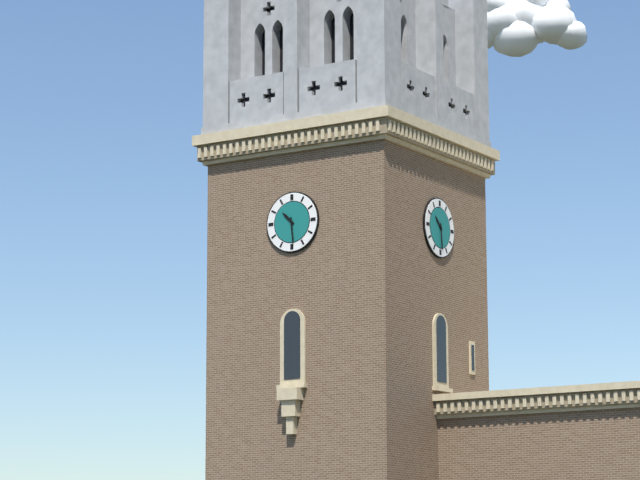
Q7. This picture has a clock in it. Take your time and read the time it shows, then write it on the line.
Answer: 10:29
